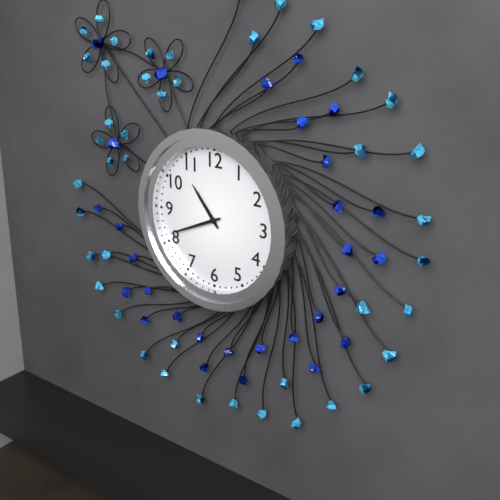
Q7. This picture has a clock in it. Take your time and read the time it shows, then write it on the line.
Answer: 10:41
